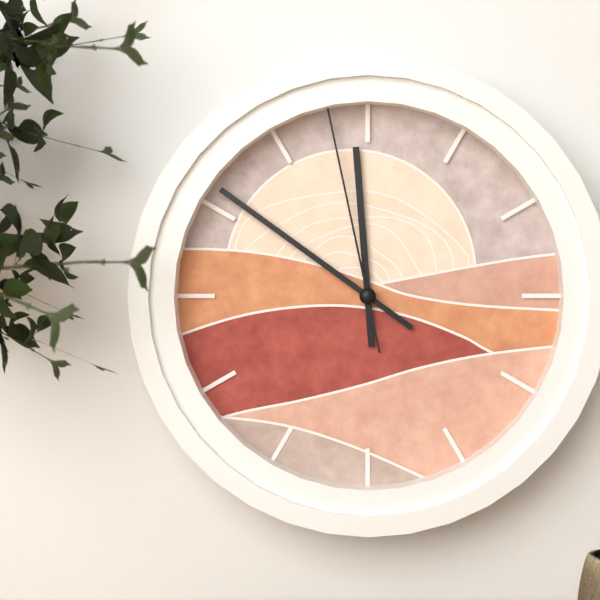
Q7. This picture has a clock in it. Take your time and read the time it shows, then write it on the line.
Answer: 11:51:58
